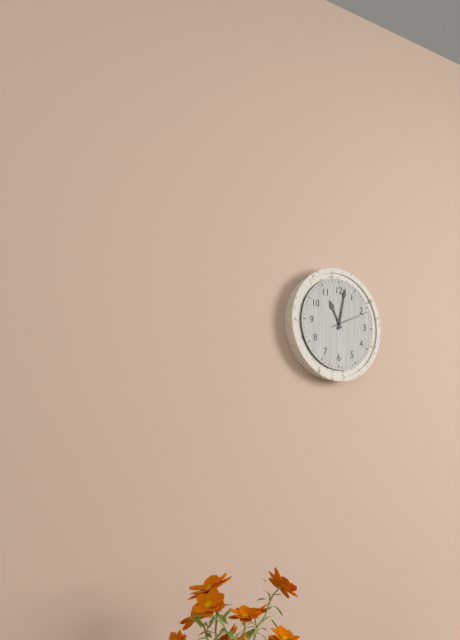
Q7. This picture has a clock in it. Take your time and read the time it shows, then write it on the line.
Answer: 11:02
